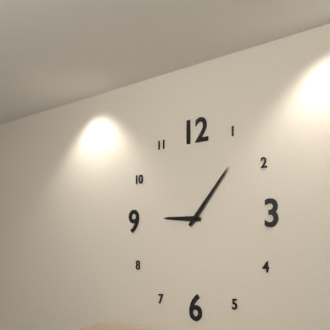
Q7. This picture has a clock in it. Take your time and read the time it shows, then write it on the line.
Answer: 9:07
